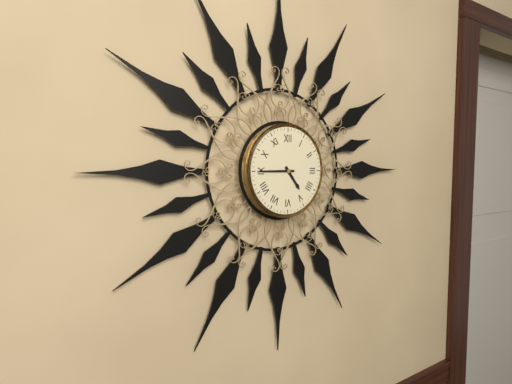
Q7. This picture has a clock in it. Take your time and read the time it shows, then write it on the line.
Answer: 4:45
